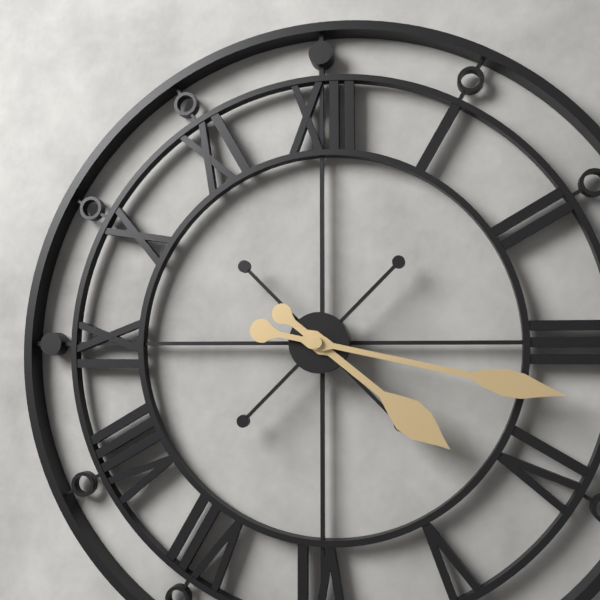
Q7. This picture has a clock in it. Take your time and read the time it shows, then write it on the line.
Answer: 4:17
